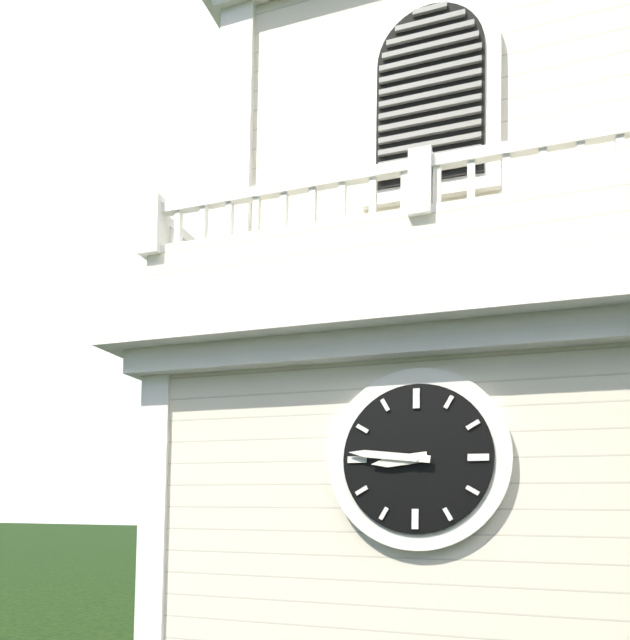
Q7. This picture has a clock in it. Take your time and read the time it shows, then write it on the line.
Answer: 8:46
